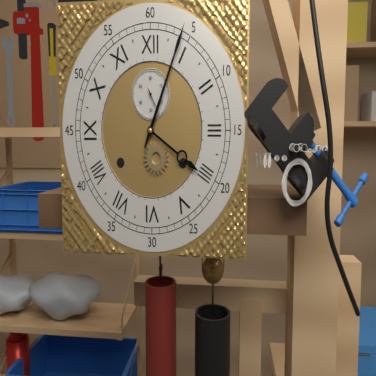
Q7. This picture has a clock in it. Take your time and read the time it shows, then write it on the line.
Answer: 4:04
